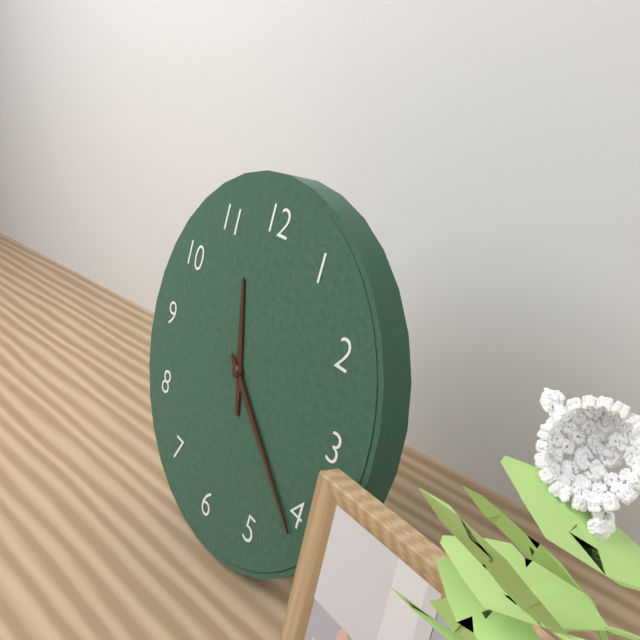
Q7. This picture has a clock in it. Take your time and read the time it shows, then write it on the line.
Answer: 11:21
